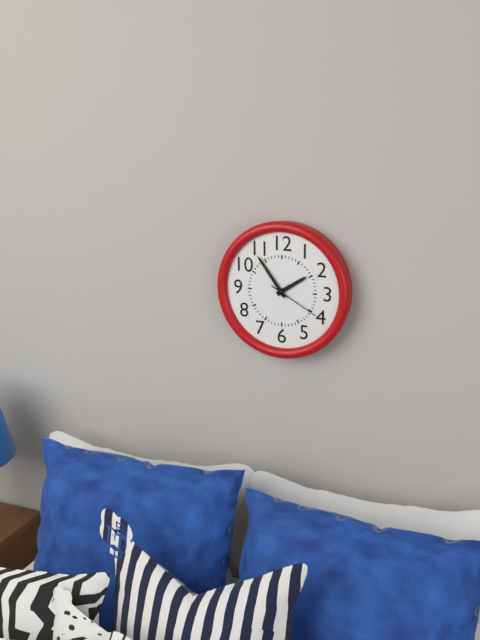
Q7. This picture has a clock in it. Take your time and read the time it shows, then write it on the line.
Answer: 1:54:20
